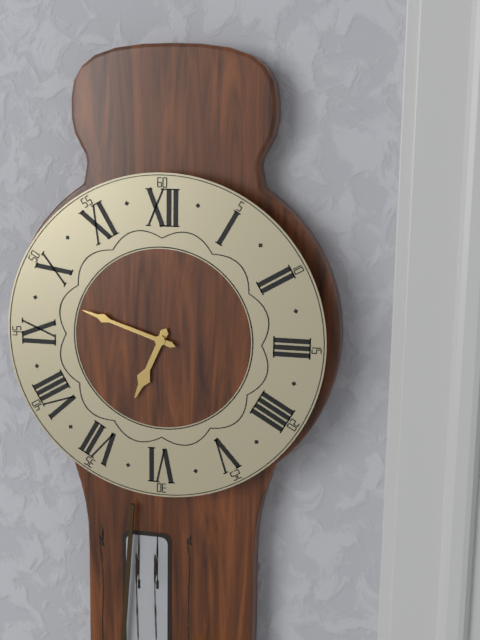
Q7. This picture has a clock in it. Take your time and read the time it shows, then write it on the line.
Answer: 6:48
